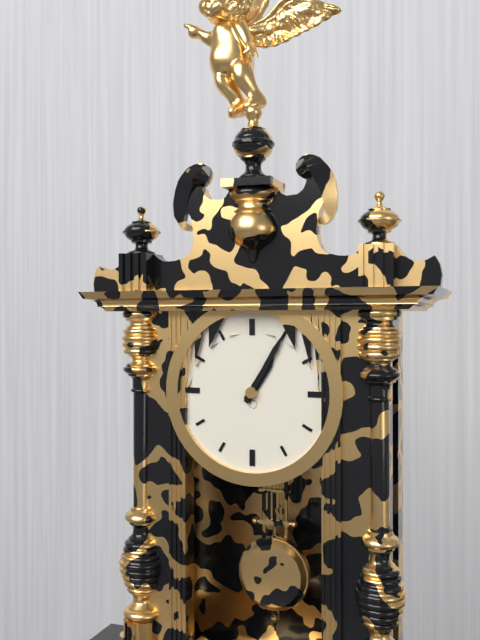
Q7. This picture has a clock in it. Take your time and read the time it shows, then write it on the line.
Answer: 1:05
